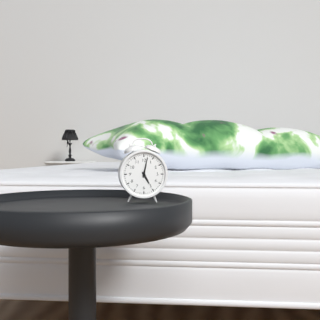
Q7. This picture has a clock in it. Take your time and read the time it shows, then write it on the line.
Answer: 5:02
